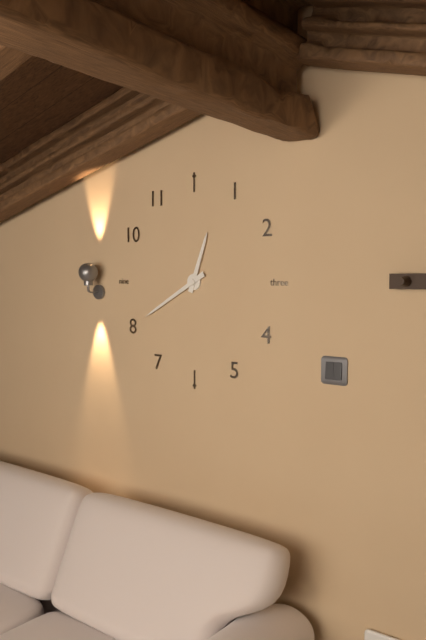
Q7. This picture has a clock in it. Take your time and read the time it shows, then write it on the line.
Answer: 12:40
